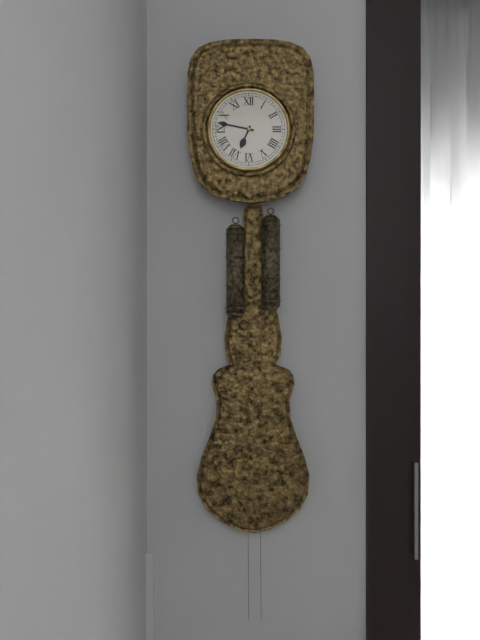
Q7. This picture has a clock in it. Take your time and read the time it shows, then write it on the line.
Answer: 6:47
